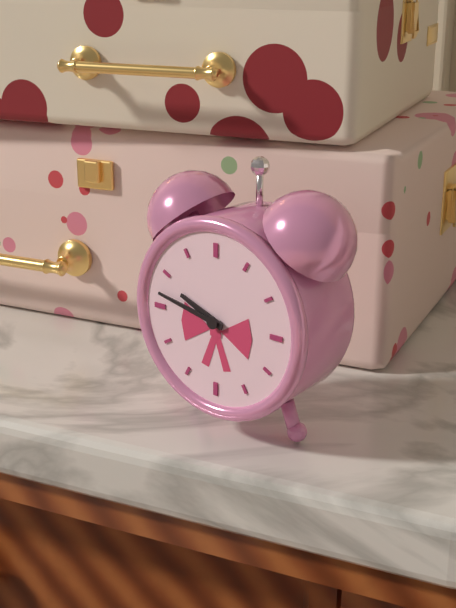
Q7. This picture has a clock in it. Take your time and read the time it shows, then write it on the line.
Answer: 9:47
